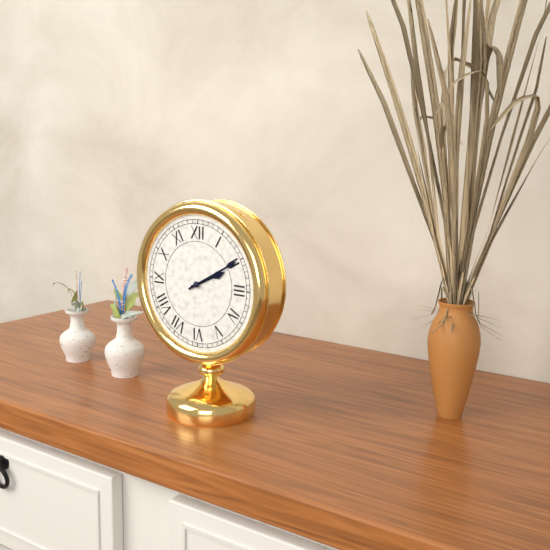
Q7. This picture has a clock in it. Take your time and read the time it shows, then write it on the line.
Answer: 2:10
